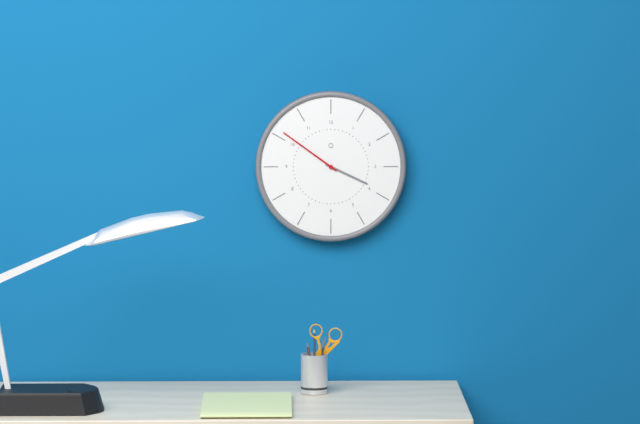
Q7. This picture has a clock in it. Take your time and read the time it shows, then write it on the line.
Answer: 3:51
